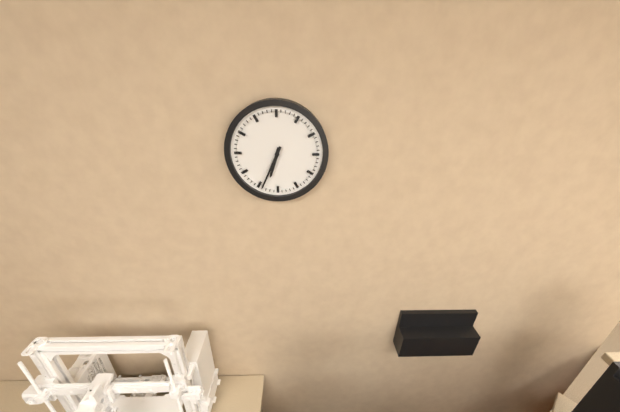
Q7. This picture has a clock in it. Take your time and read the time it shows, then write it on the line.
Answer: 6:34
